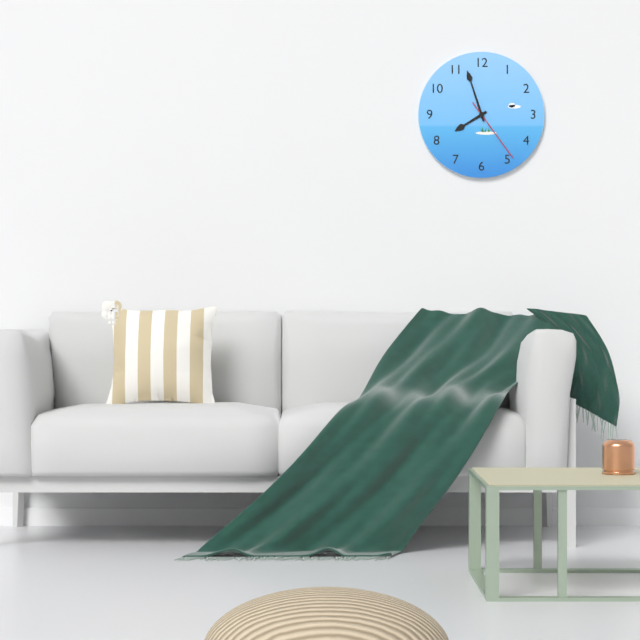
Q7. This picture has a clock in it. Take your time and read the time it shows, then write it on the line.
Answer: 7:57:24
